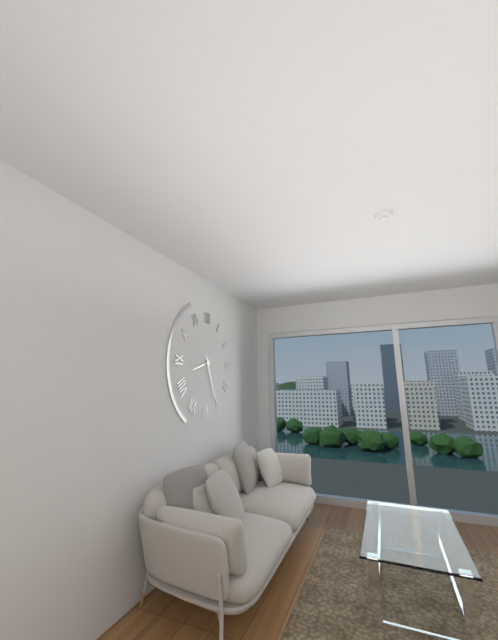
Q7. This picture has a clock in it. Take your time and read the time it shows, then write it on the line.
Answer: 8:26
